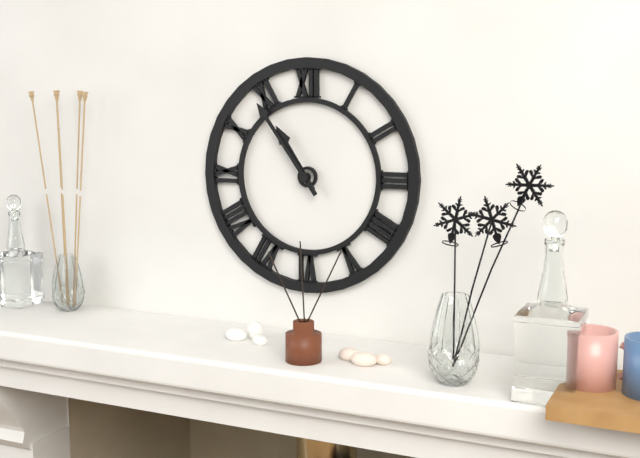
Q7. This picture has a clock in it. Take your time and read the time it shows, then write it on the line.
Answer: 10:54
